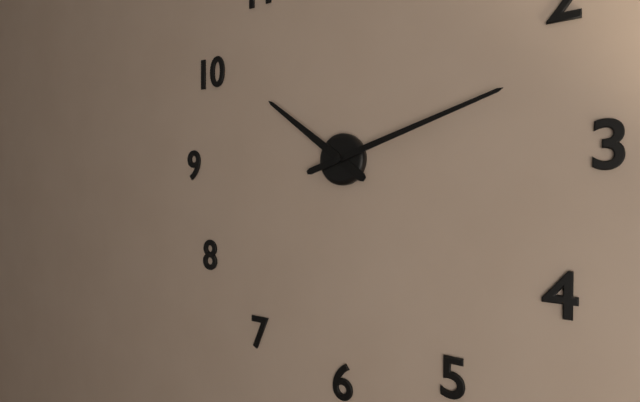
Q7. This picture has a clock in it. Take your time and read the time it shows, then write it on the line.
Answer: 10:12
